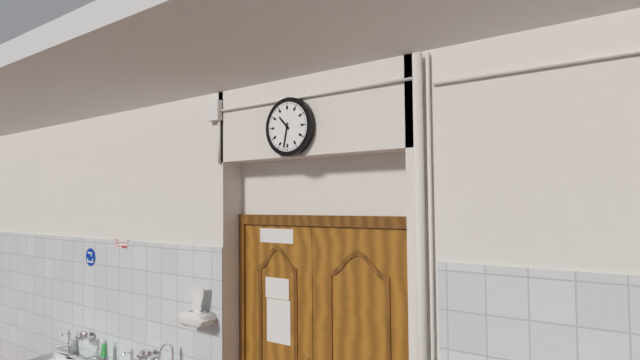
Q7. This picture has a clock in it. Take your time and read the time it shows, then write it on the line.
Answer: 10:32
